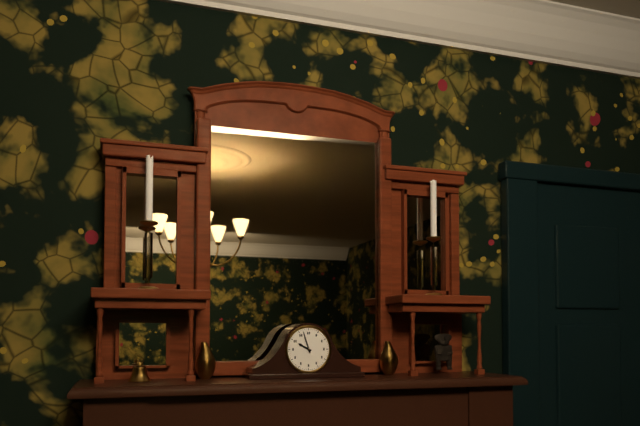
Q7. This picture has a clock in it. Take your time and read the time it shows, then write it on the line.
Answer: 9:57
